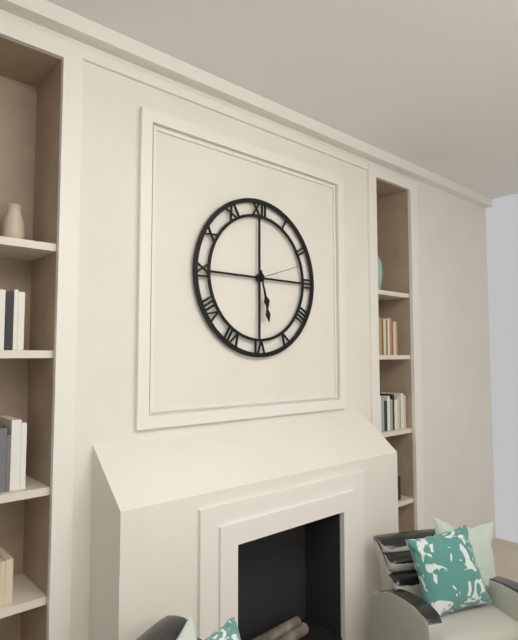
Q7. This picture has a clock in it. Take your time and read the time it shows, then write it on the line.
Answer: 5:28:12
